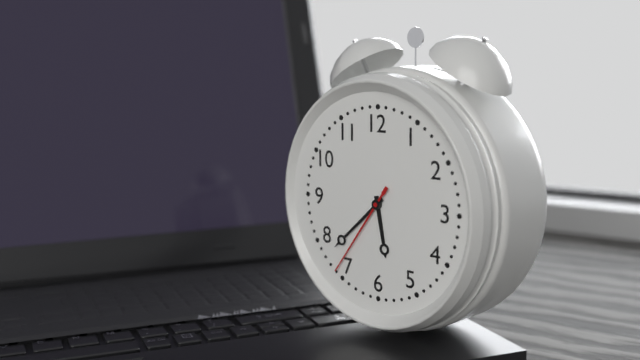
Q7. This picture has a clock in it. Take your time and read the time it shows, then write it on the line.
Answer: 5:38:36
